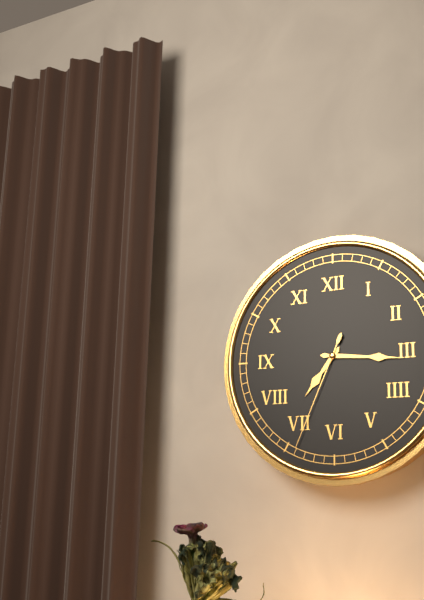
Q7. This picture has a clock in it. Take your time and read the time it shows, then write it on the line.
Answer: 7:16:34
